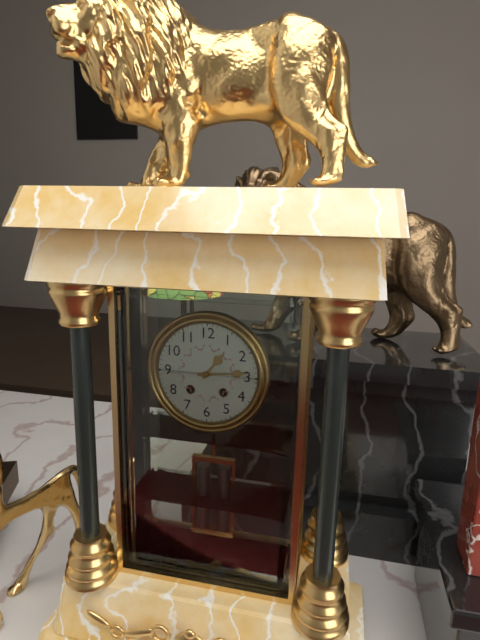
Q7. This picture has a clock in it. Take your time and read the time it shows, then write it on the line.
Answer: 1:14
